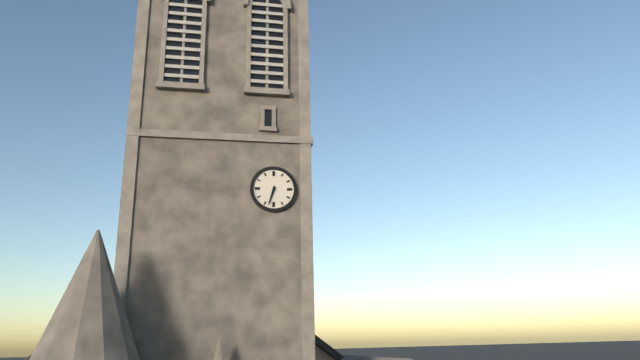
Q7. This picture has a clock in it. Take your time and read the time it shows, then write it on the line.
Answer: 6:33
